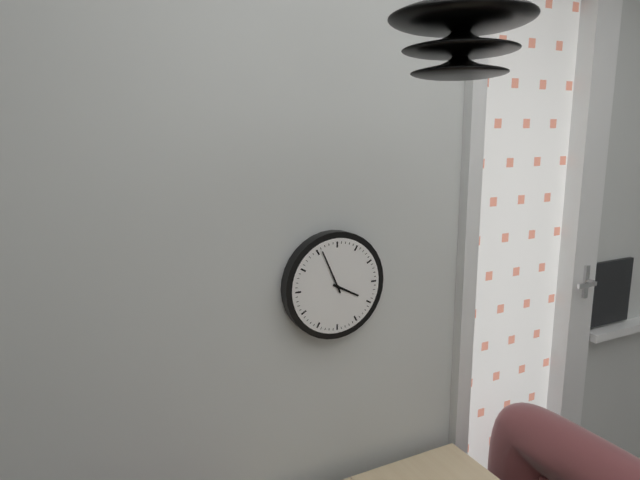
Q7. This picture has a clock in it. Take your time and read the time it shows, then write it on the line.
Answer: 3:56
